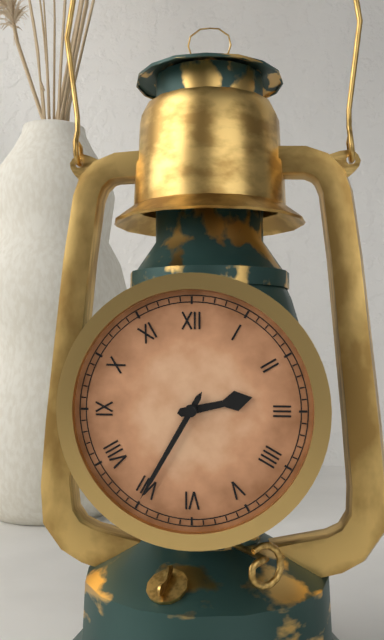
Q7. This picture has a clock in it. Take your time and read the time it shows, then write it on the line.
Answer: 2:35
